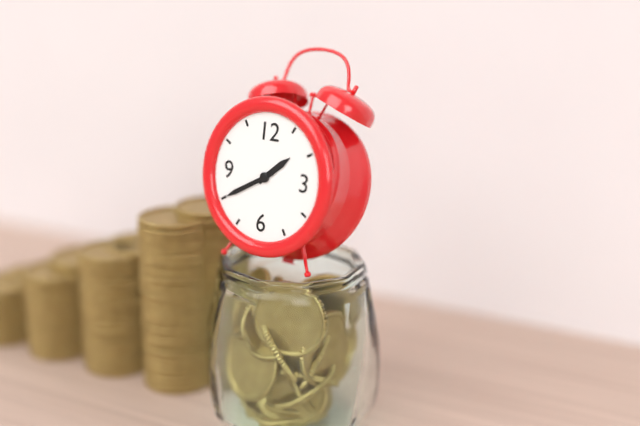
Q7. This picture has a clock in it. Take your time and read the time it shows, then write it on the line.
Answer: 1:40:40
